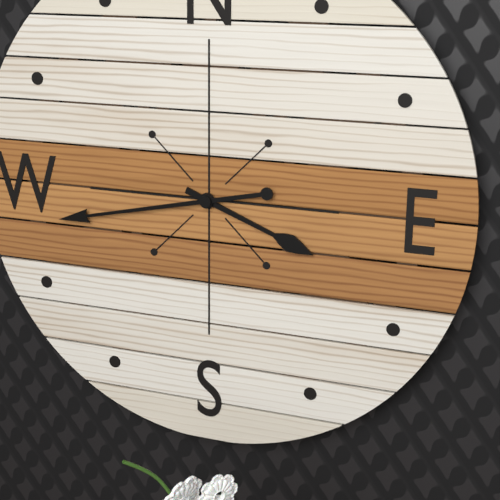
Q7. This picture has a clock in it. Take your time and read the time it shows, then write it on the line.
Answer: 3:43
